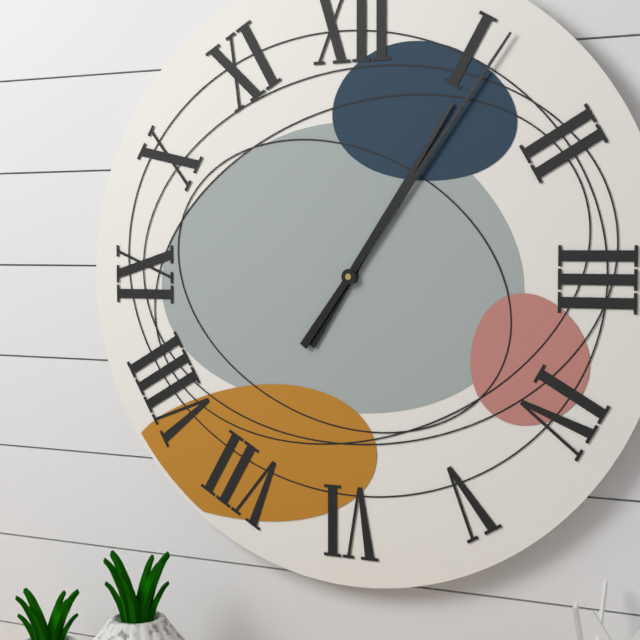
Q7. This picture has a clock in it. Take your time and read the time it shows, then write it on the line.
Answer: 1:06
